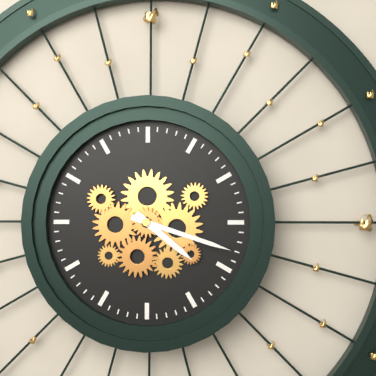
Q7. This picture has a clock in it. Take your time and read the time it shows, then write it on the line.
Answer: 4:18
